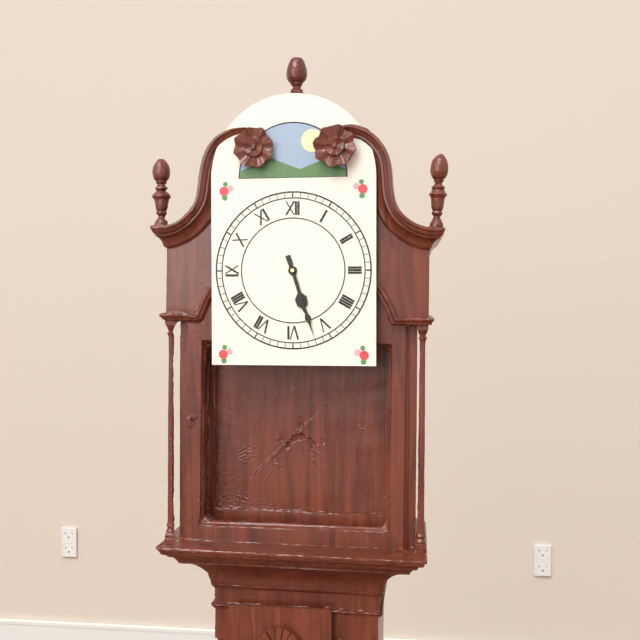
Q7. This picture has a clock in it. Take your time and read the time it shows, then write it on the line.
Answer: 5:27
